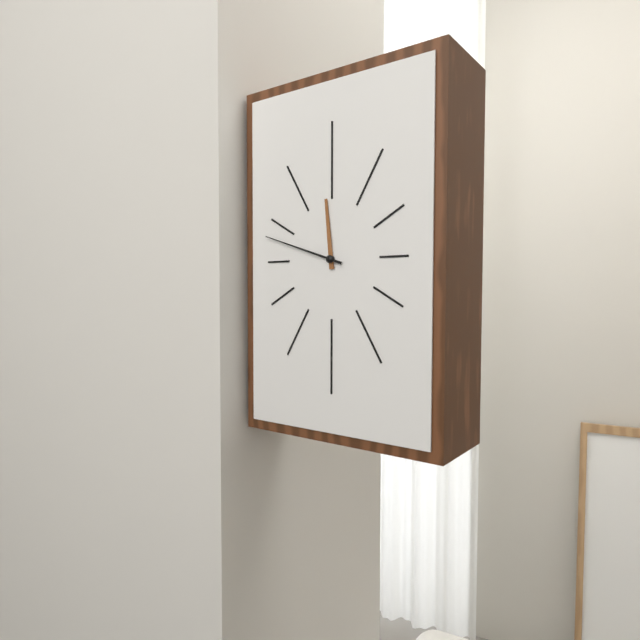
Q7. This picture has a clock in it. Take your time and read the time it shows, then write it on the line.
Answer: 11:48
